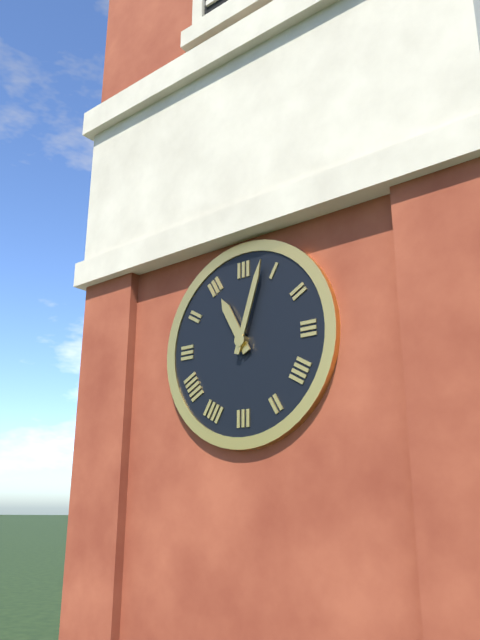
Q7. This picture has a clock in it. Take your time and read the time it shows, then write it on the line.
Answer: 11:03
